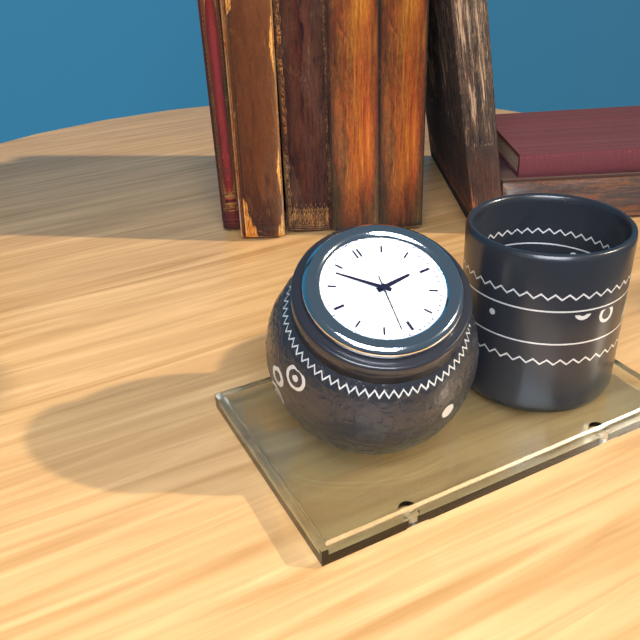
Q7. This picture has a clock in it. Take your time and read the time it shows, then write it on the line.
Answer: 2:53:32
